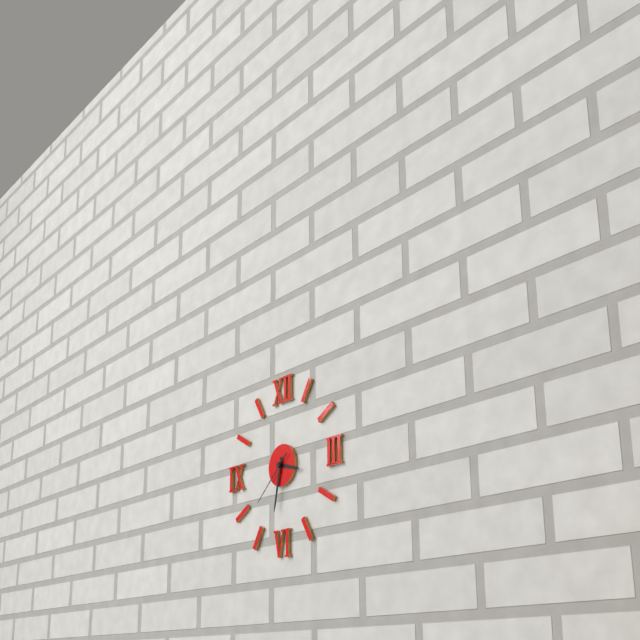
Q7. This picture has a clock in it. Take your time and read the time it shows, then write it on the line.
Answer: 3:32:38
